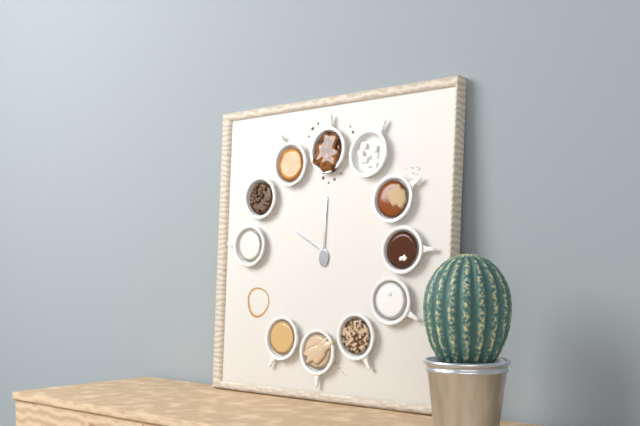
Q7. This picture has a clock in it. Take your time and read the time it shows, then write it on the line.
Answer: 10:00
